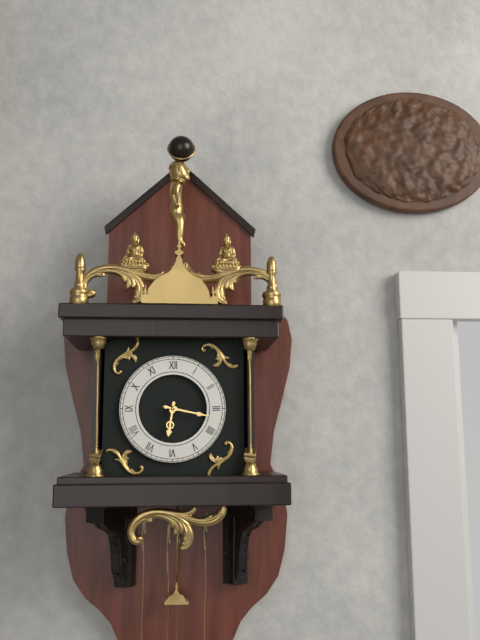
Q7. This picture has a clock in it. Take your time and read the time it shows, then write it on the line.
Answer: 6:17
